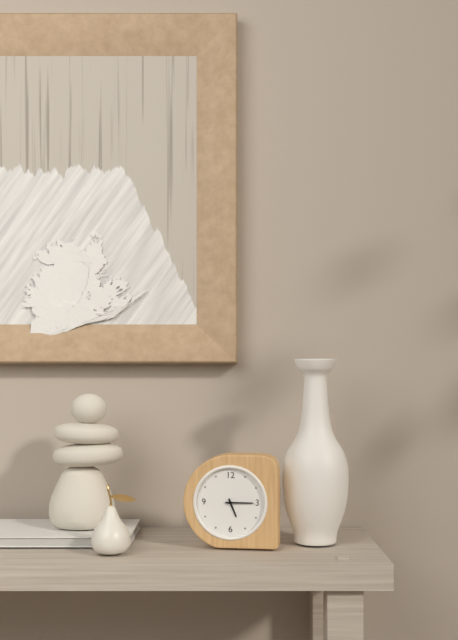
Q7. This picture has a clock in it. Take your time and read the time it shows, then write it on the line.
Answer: 5:15
